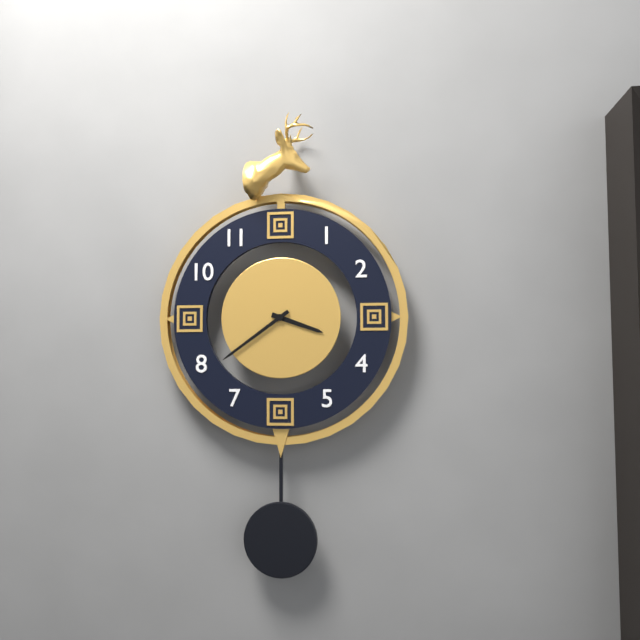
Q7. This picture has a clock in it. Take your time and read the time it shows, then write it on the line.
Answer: 3:39
